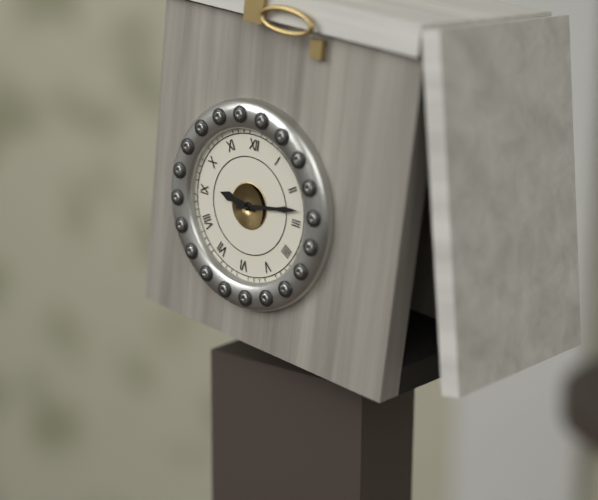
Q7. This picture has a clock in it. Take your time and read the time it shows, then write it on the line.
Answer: 9:13
